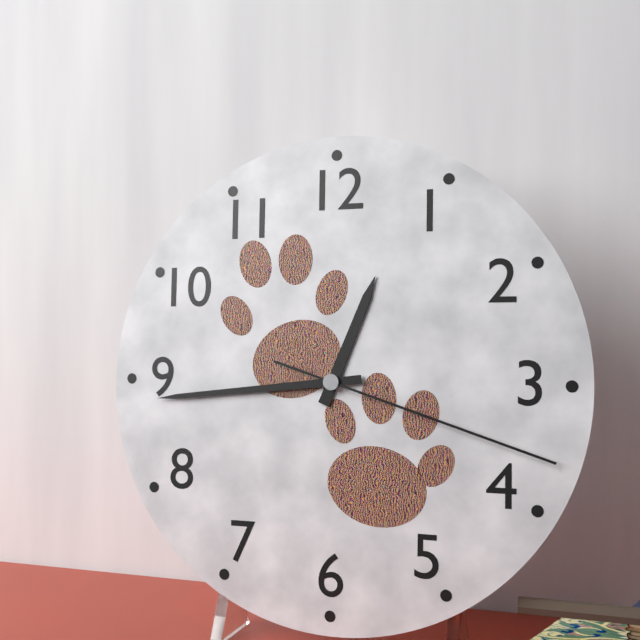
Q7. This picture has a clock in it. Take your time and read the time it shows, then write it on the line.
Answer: 12:44:18
